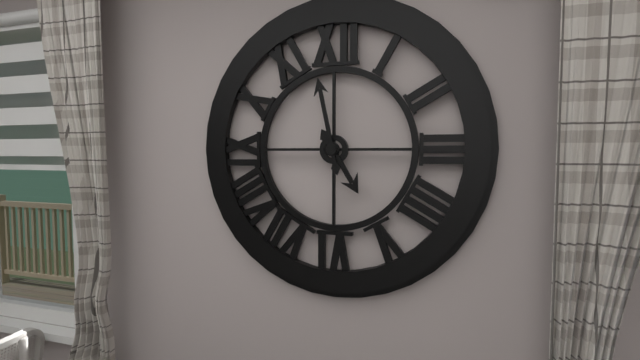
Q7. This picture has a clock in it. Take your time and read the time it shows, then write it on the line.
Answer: 4:58
